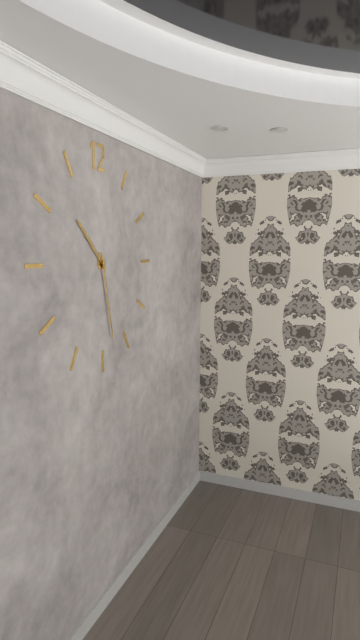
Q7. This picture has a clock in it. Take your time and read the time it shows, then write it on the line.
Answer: 10:28
